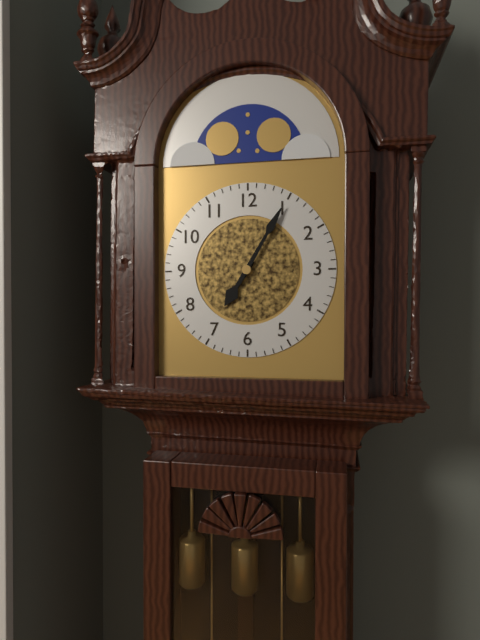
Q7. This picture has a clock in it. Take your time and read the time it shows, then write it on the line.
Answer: 7:05
